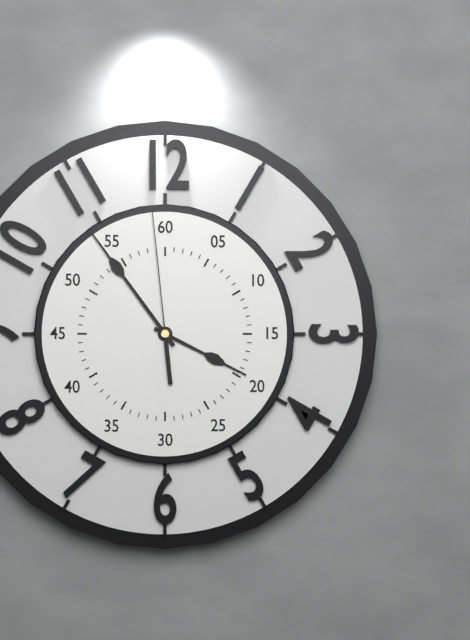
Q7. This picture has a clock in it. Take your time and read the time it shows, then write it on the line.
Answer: 3:54:59
